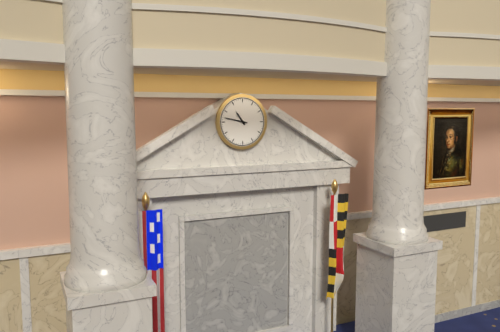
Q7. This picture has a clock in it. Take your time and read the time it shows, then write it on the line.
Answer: 10:47
